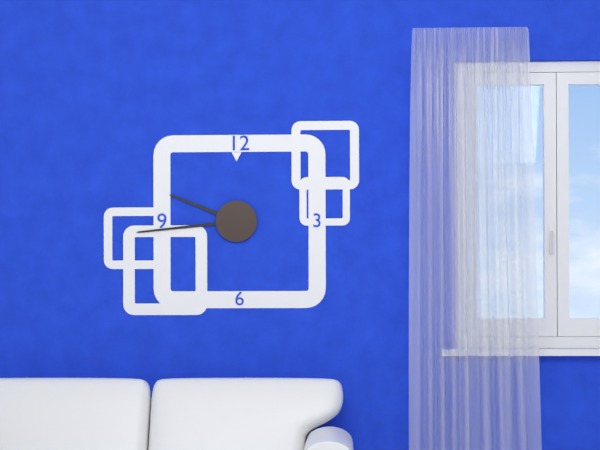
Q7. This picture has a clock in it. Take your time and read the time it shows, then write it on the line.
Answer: 9:44
